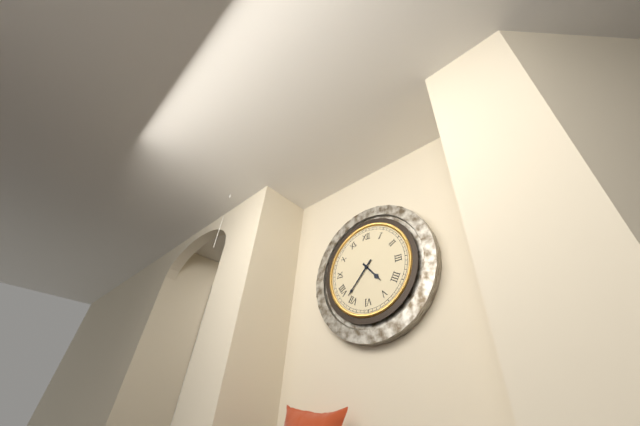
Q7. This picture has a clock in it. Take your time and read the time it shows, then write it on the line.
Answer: 4:37
